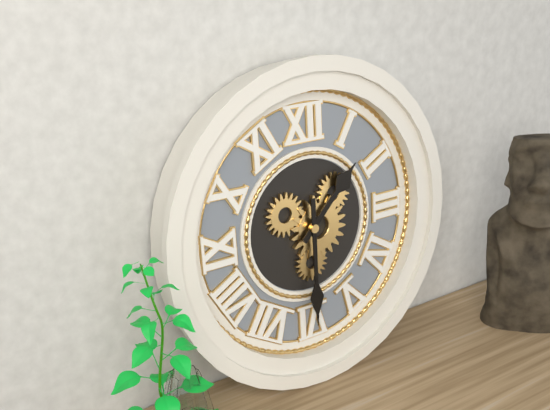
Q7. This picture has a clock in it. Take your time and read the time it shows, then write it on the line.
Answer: 1:30
